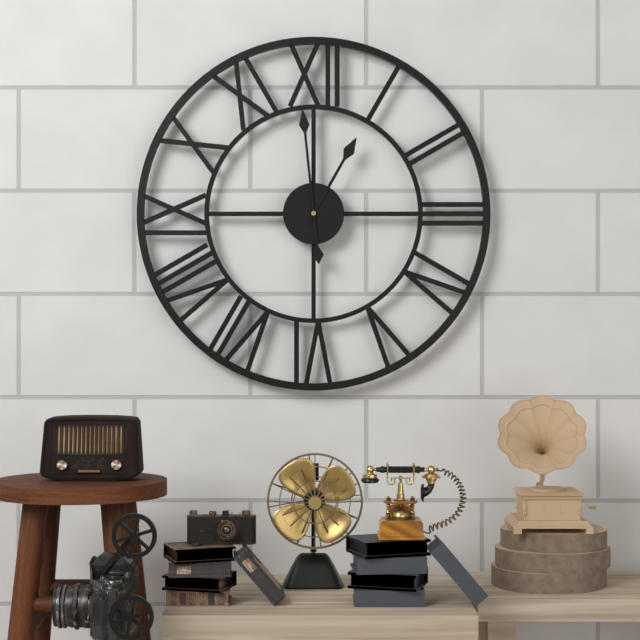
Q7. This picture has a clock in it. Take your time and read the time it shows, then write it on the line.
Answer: 12:59
